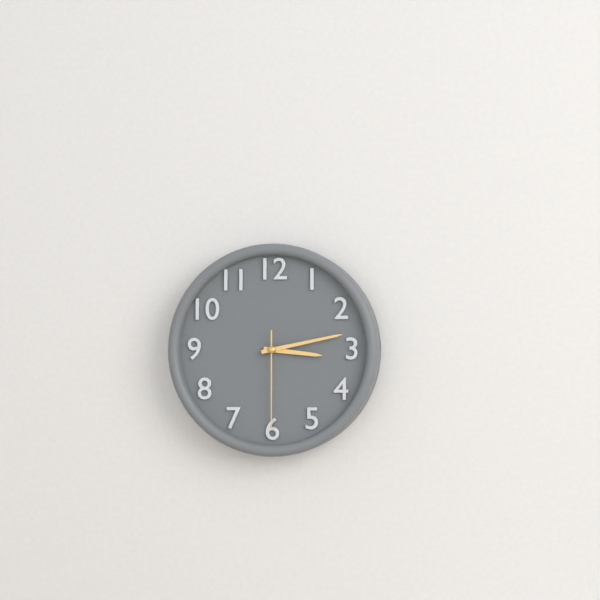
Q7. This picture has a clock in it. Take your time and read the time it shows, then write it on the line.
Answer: 3:13:30
